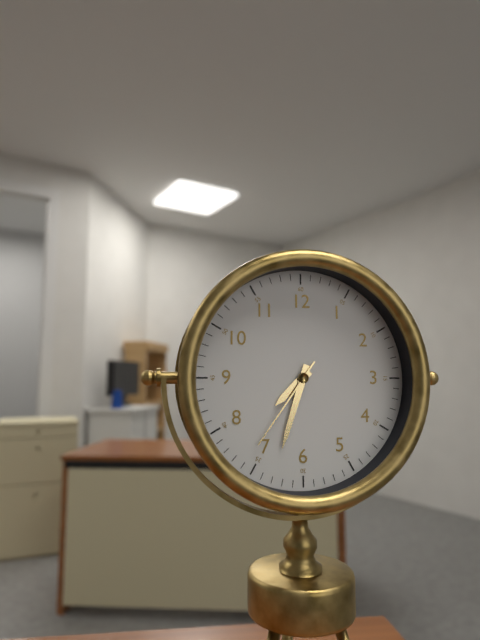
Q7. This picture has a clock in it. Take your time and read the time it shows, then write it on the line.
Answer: 7:33:36
